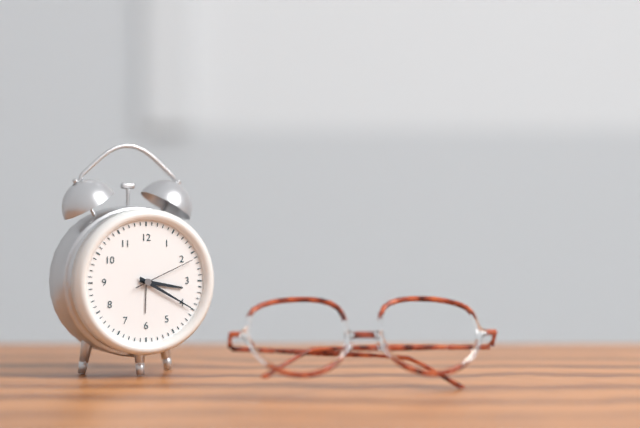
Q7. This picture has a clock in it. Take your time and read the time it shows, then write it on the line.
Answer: 3:20:11
